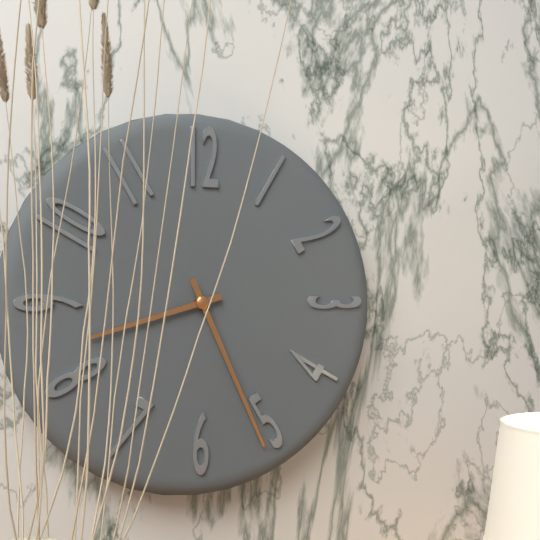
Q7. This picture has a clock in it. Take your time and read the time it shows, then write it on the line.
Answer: 8:26
